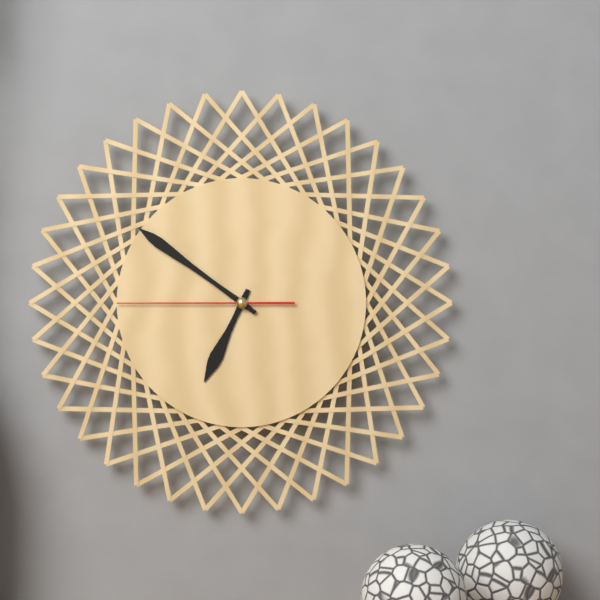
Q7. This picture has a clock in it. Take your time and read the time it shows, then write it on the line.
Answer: 6:51:45
